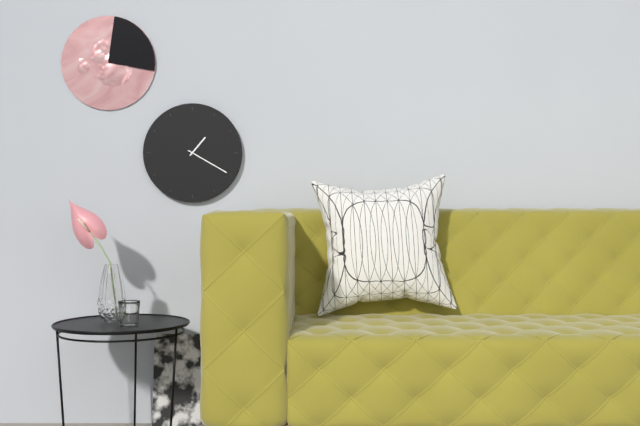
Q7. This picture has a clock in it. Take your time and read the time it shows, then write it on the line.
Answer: 1:20
